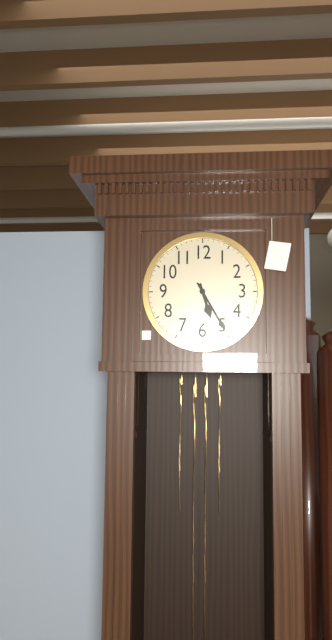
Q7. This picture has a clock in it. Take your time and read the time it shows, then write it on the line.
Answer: 5:25
